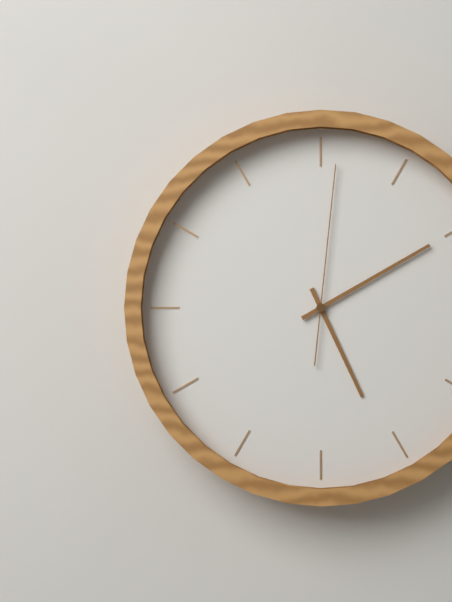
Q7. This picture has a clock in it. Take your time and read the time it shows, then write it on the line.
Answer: 5:10:01
